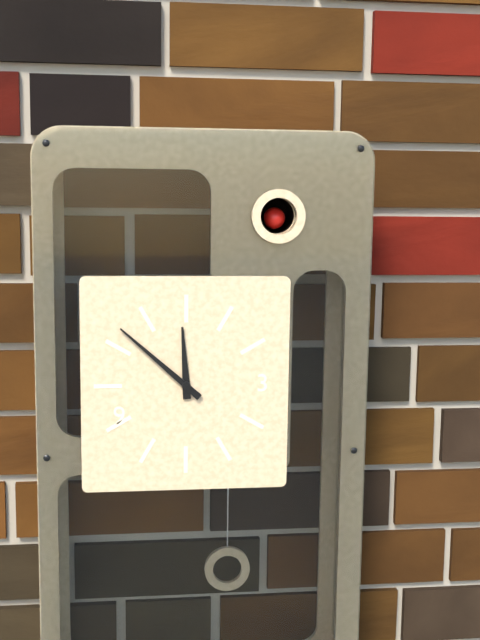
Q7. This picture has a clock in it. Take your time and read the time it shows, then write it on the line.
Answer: 11:52
